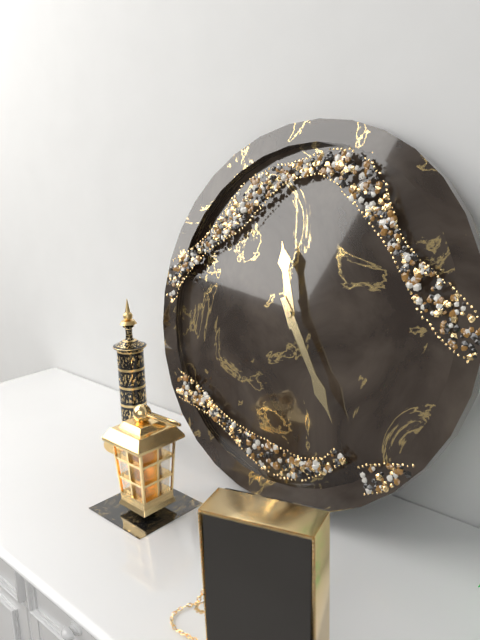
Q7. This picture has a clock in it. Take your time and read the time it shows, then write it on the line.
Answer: 11:24
